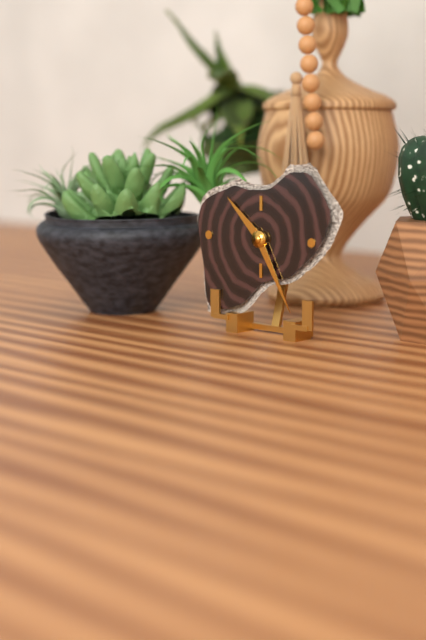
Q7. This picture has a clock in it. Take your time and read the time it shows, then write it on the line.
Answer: 10:25
